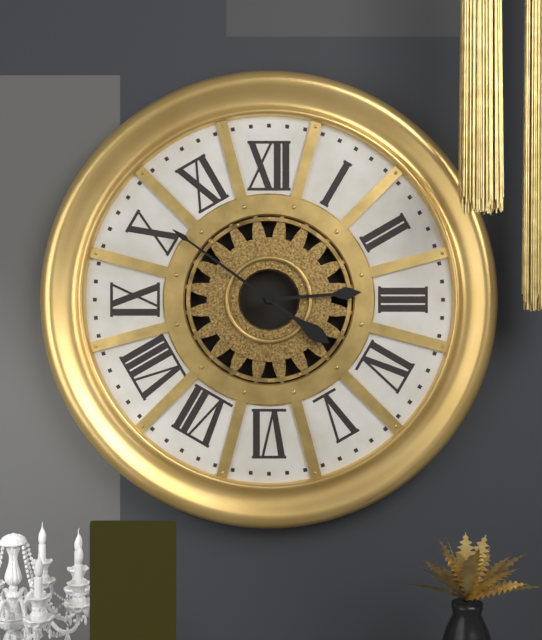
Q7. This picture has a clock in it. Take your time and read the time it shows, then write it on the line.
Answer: 2:51
